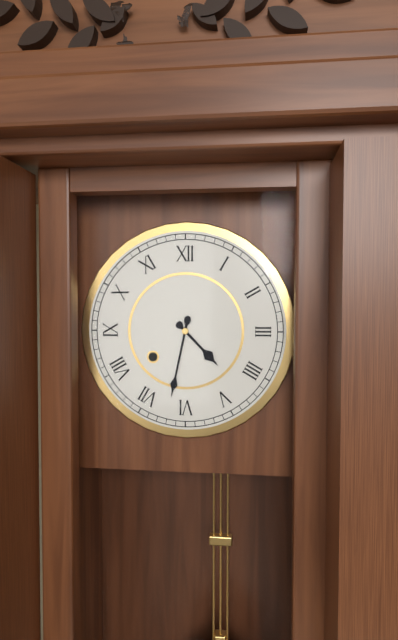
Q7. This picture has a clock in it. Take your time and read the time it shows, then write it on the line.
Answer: 4:32
